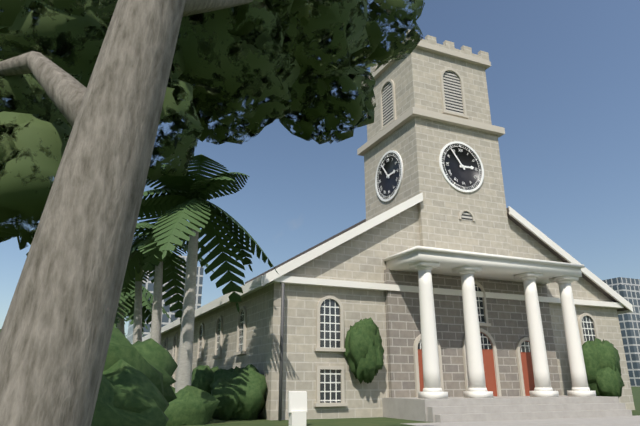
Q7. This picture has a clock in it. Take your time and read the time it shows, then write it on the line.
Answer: 2:54
